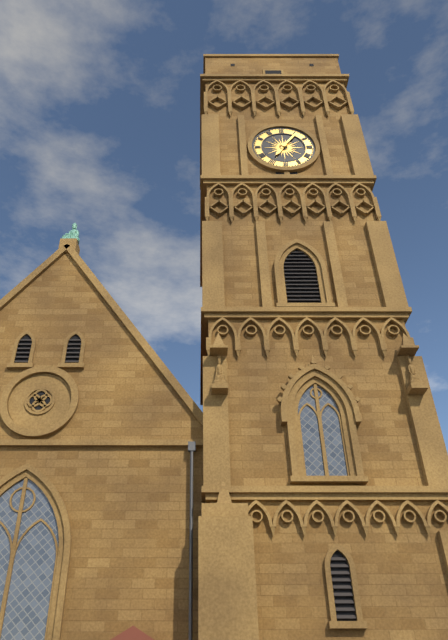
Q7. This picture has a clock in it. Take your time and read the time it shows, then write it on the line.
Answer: 7:06
